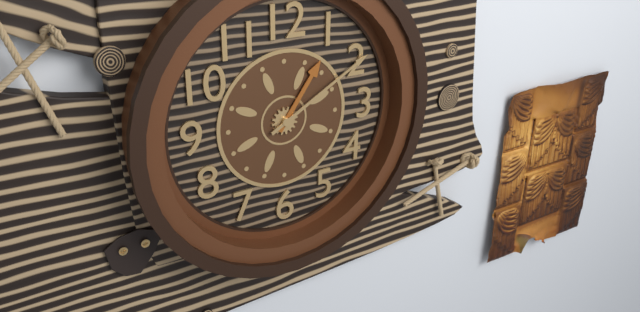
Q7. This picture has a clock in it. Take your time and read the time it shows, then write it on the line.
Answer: 1:10
